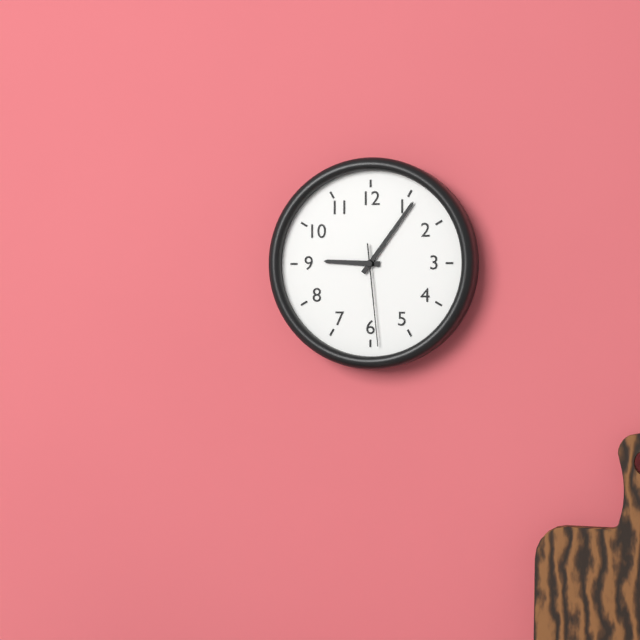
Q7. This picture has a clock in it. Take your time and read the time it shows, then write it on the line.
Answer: 9:06:29
